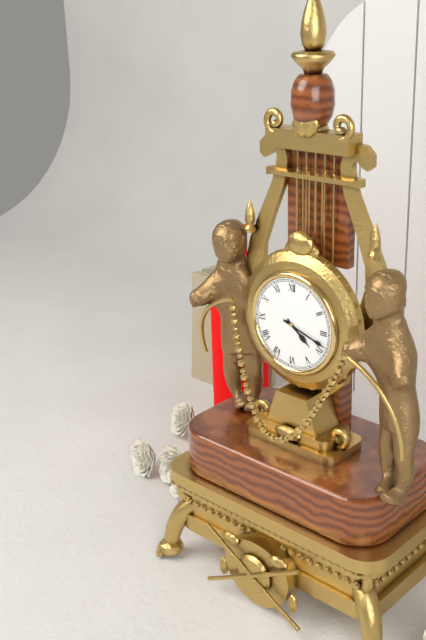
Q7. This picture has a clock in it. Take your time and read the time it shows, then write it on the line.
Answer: 4:18
